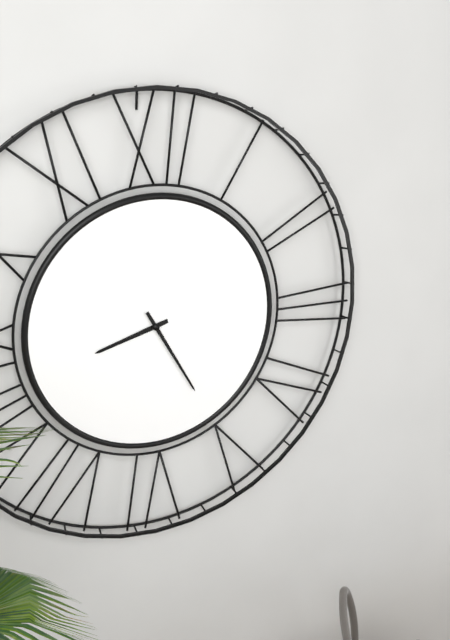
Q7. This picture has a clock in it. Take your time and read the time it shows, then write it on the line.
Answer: 8:25
